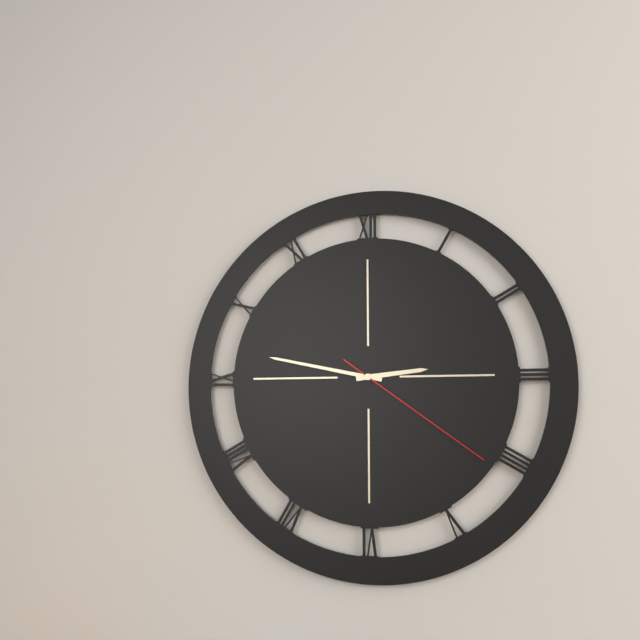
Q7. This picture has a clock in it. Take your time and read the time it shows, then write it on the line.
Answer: 2:47:21
